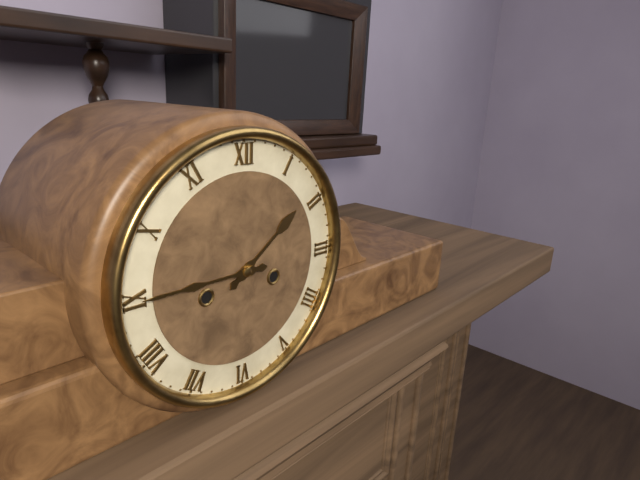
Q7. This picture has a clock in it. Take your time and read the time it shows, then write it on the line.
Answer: 1:45
